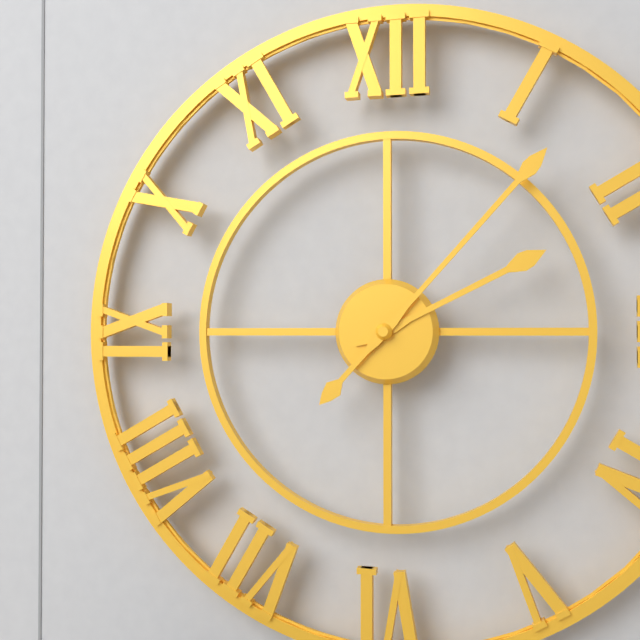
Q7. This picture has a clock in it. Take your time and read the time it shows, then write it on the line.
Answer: 2:07
